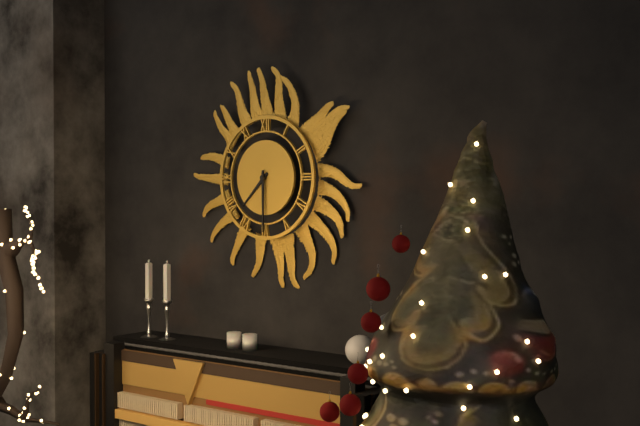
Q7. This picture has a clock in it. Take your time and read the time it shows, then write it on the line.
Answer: 7:30
